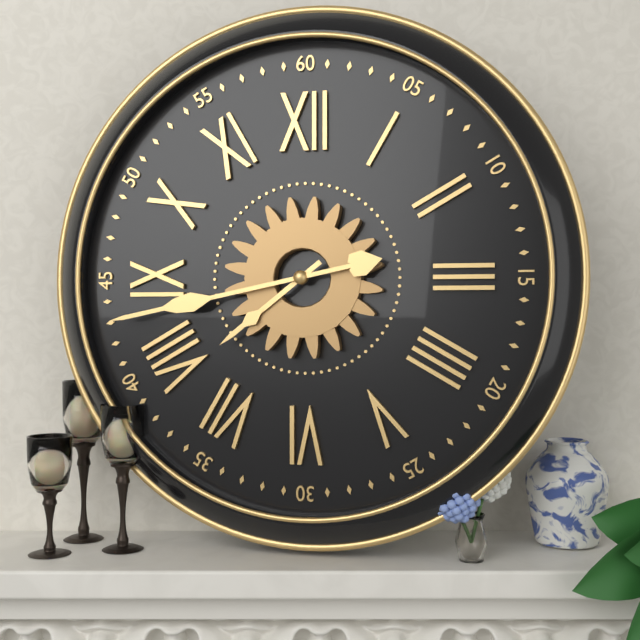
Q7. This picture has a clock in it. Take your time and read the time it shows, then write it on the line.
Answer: 7:43
